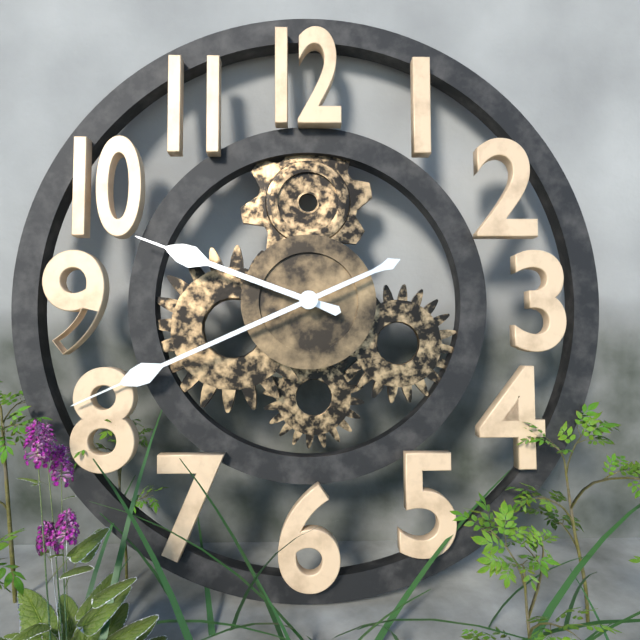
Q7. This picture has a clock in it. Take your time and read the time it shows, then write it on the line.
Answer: 9:41
